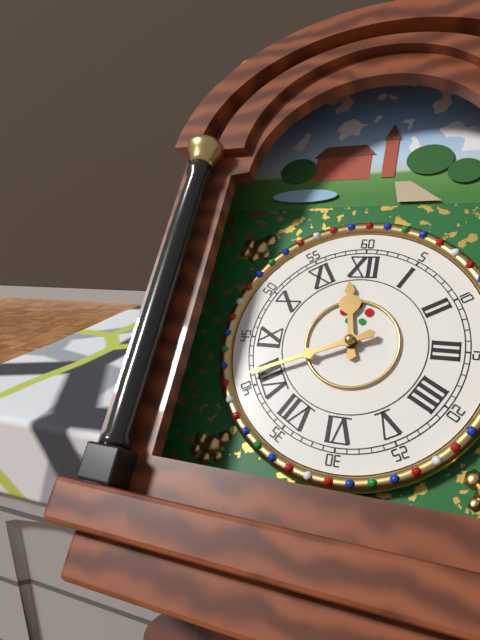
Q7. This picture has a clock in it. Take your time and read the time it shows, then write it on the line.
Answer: 11:41
